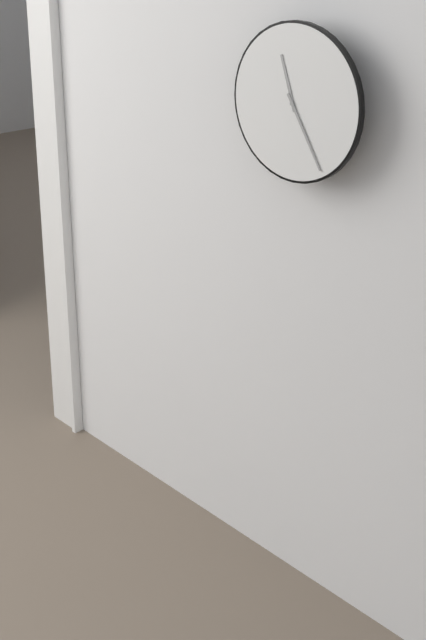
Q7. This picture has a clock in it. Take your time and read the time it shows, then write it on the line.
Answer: 11:25
